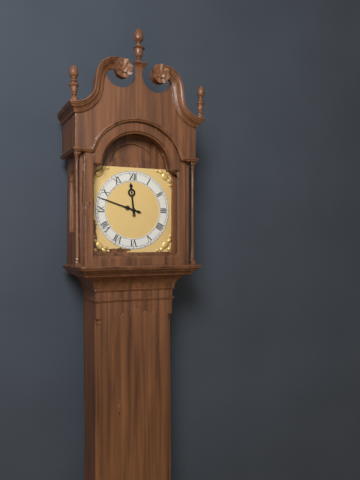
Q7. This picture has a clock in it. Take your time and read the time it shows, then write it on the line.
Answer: 11:48
